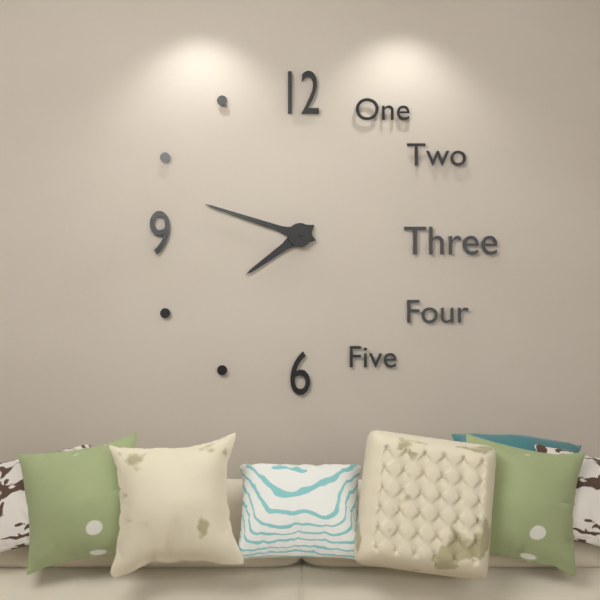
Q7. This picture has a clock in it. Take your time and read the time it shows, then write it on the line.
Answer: 7:48
